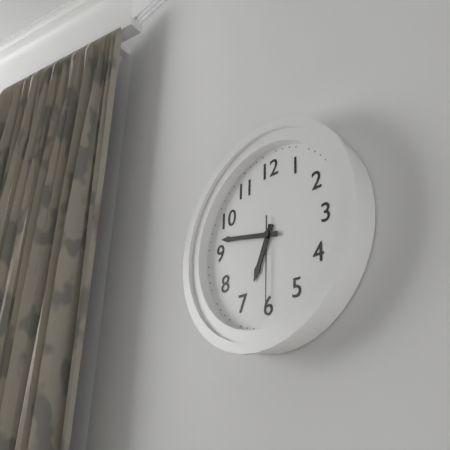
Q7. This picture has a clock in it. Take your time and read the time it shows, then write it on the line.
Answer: 6:47:30
